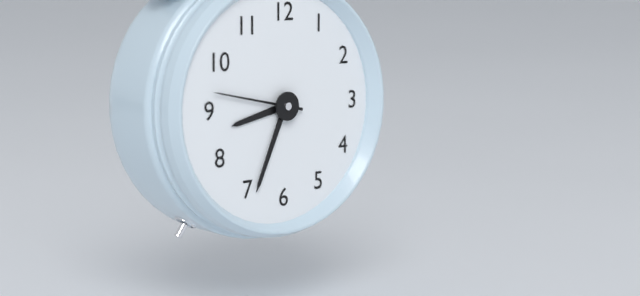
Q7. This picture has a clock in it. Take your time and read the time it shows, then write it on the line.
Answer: 8:34:47
